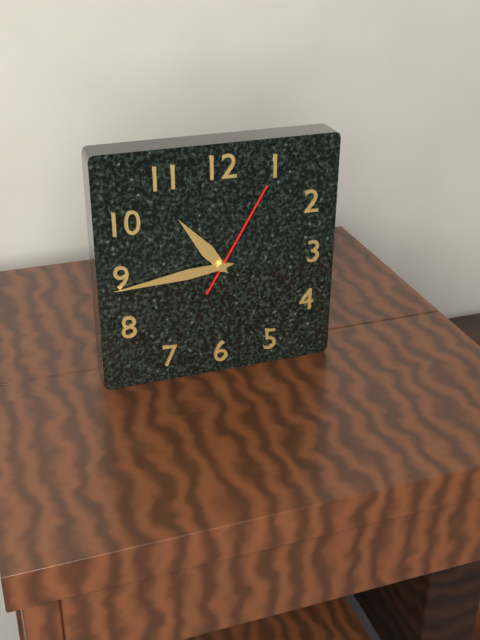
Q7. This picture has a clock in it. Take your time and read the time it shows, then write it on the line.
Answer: 10:44:05
